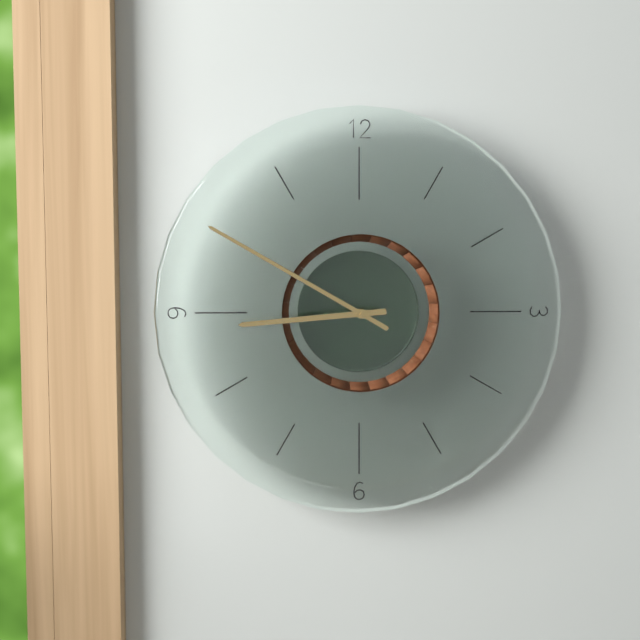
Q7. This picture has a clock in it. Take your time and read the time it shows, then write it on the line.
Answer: 8:50
